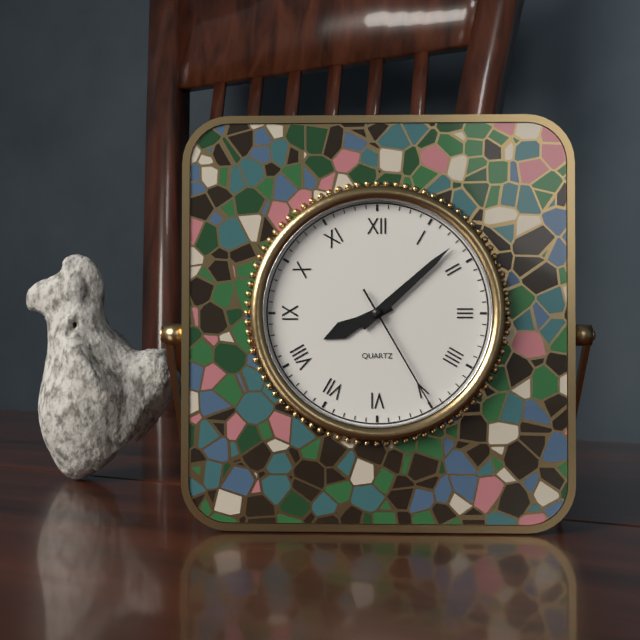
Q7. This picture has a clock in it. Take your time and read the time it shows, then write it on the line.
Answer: 8:08:25
